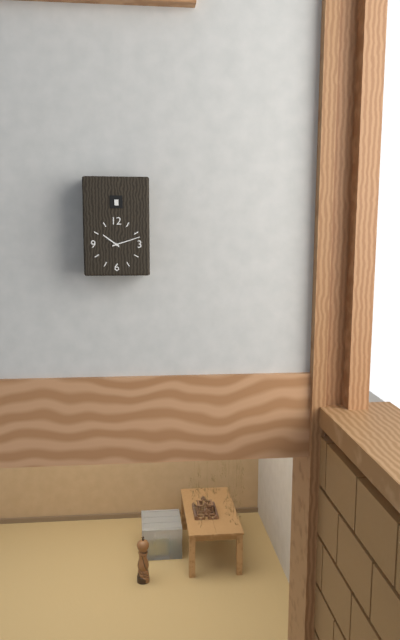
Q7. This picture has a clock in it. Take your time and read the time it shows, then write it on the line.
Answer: 10:12
